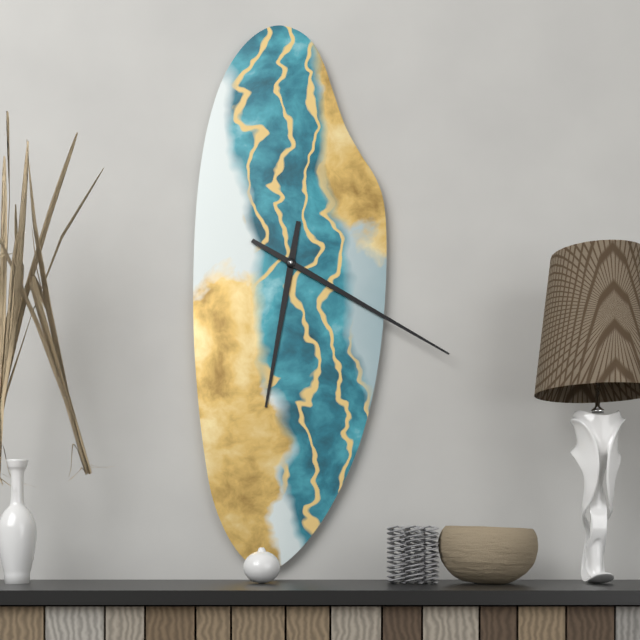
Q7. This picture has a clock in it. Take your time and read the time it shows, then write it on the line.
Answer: 6:20
